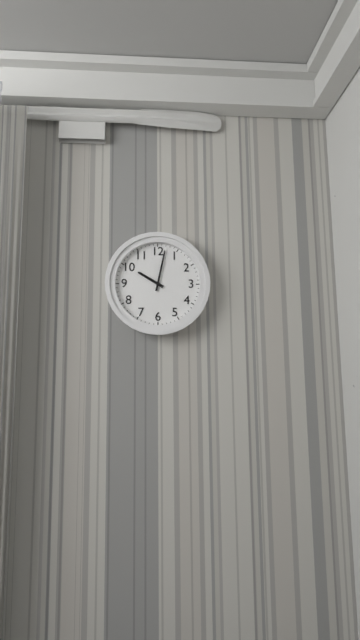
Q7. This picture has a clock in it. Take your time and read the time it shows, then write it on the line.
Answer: 10:02
